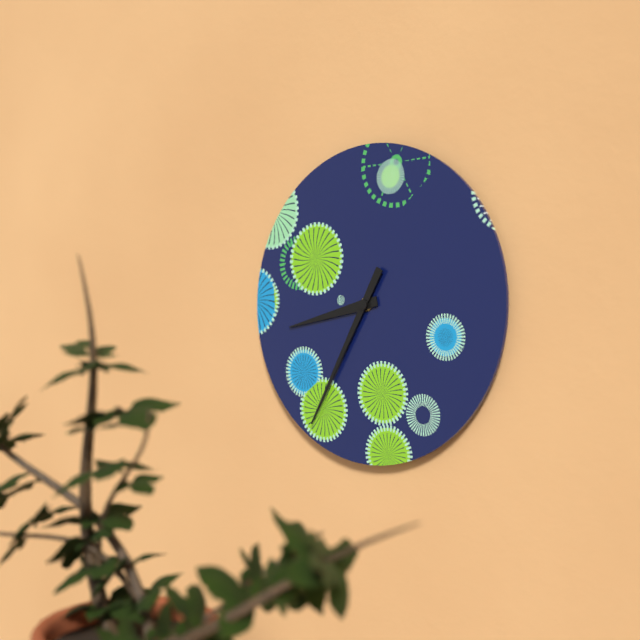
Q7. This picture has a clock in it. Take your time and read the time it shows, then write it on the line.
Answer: 8:35
